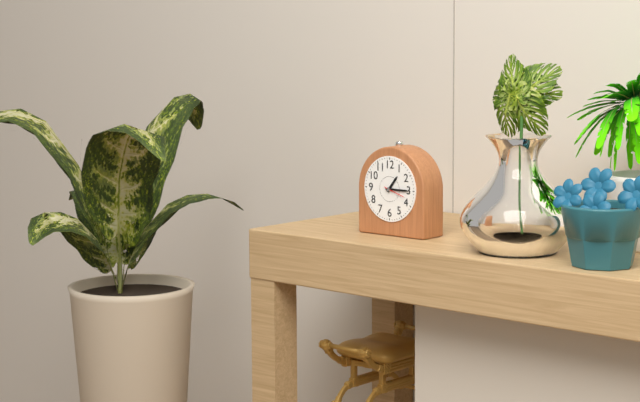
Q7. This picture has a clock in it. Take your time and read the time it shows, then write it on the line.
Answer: 1:15
